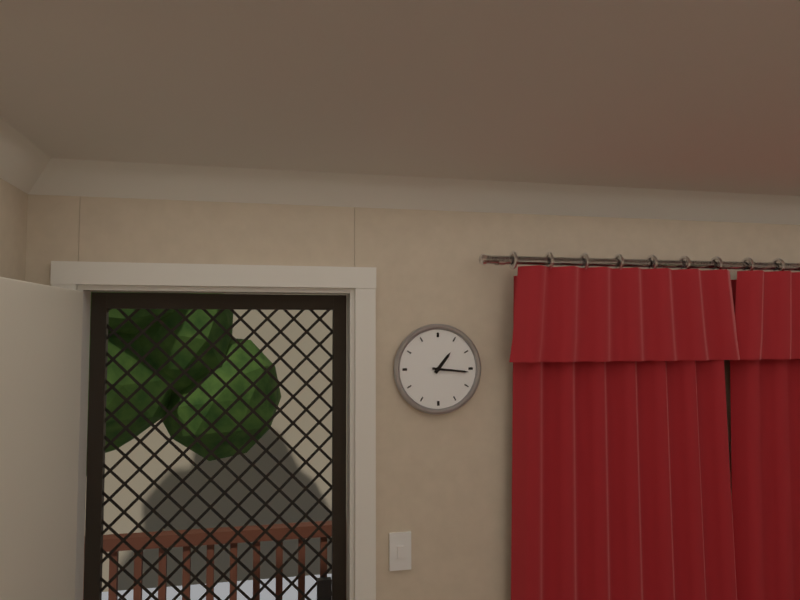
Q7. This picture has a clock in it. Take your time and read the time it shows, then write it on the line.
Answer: 1:16
